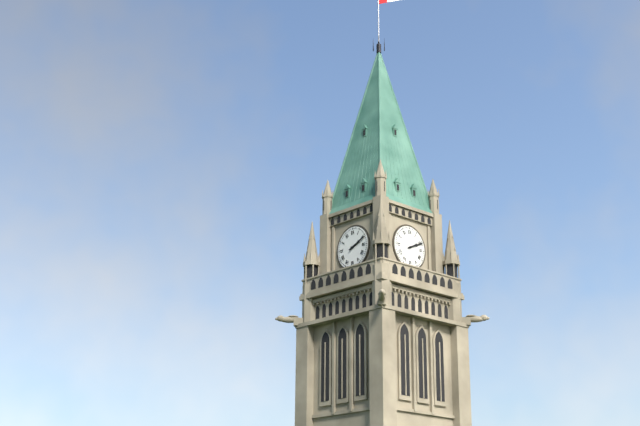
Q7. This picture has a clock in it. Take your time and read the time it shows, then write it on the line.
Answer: 2:11
